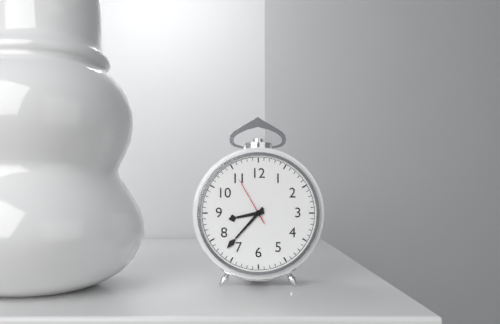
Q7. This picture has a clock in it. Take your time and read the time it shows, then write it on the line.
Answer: 8:37
